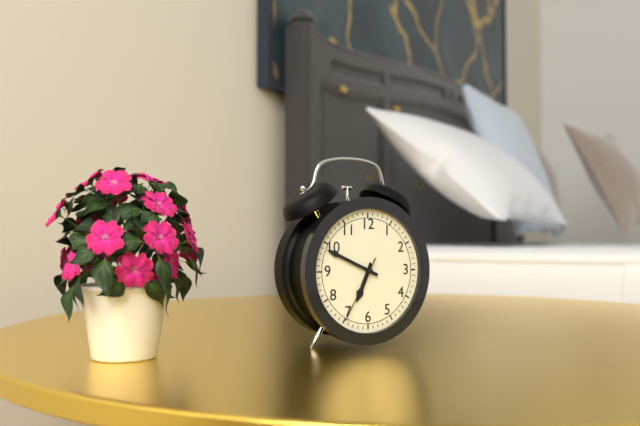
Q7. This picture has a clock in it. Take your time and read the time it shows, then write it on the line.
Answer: 6:49:35
